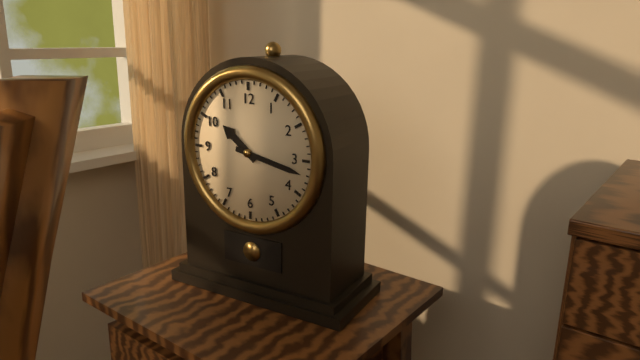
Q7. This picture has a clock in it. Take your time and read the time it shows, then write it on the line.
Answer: 10:17
